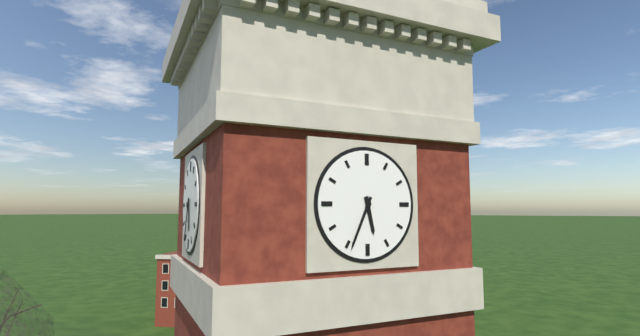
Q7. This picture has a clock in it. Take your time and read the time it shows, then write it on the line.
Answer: 5:34
